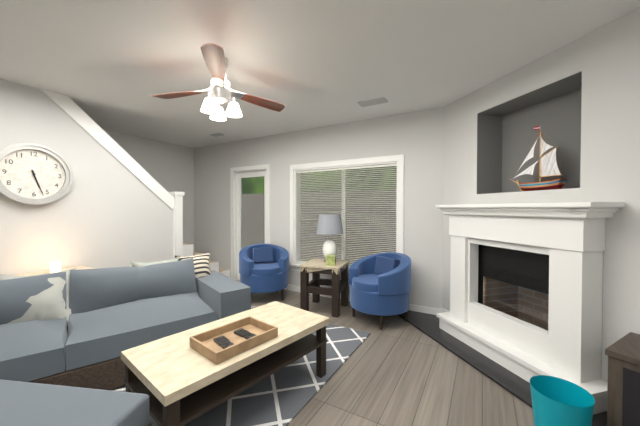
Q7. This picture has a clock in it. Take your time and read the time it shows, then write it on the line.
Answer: 5:27
